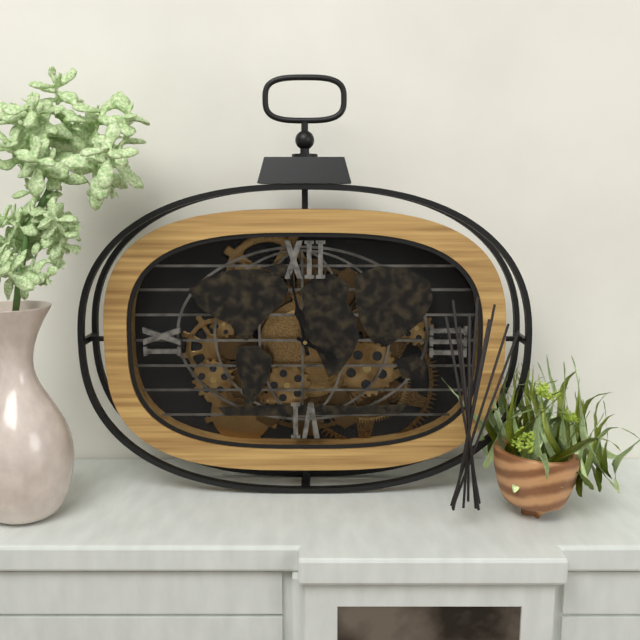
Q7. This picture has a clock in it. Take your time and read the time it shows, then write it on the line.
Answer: 3:58
